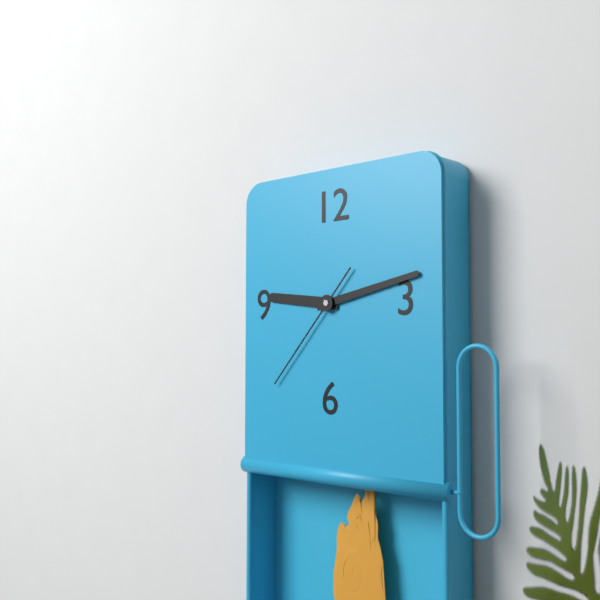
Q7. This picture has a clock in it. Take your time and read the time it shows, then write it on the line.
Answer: 9:13:37
